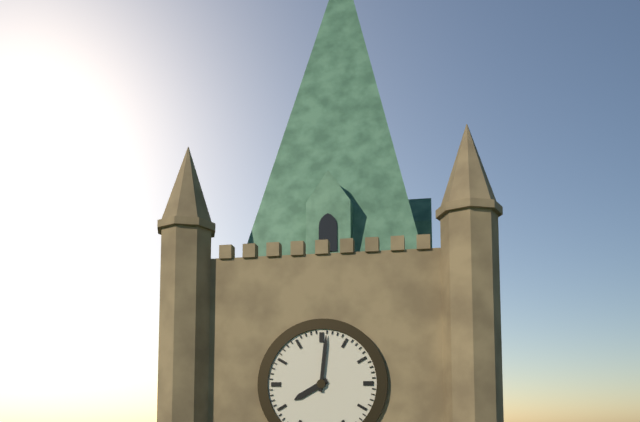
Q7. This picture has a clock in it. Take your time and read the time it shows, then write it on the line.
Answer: 8:01
